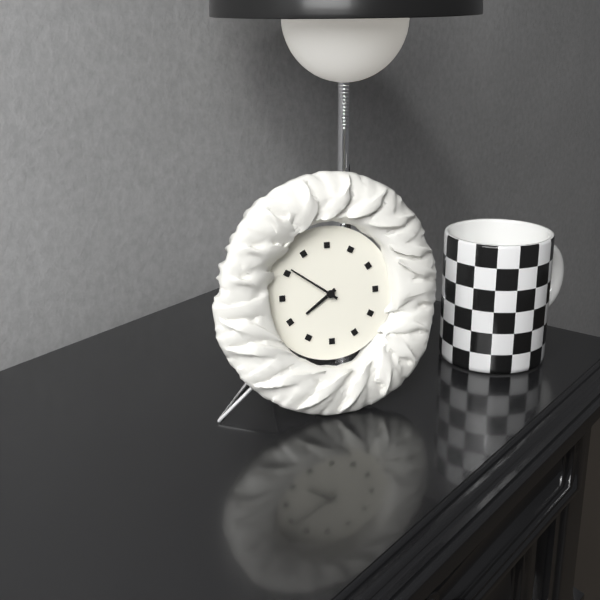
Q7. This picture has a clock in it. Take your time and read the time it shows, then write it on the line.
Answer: 7:51
